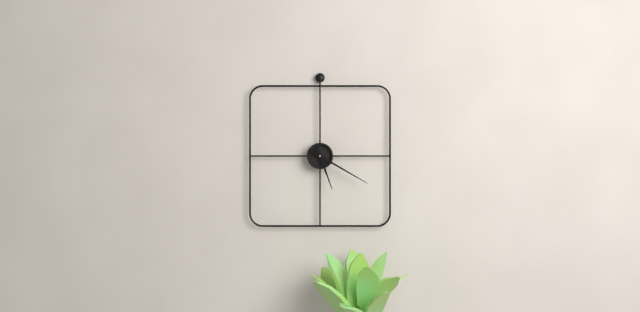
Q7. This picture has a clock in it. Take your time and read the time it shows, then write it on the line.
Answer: 5:20
